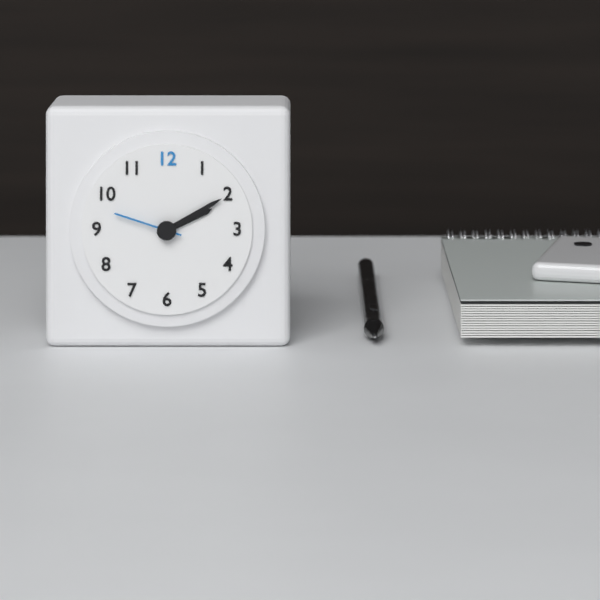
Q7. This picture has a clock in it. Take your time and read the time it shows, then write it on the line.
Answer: 2:10:48
